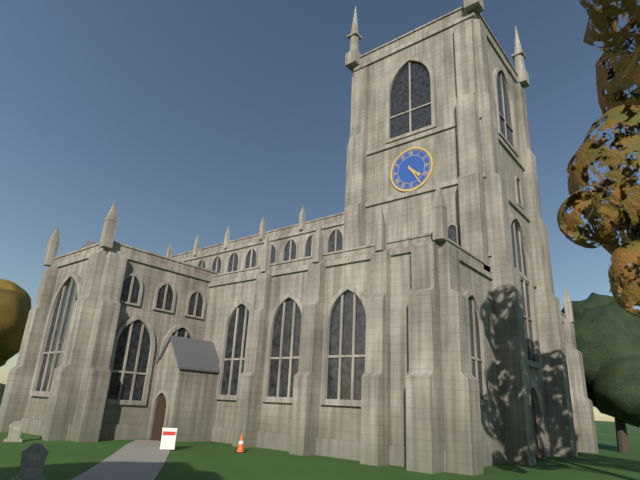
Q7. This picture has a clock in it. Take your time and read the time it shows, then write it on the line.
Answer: 4:25
